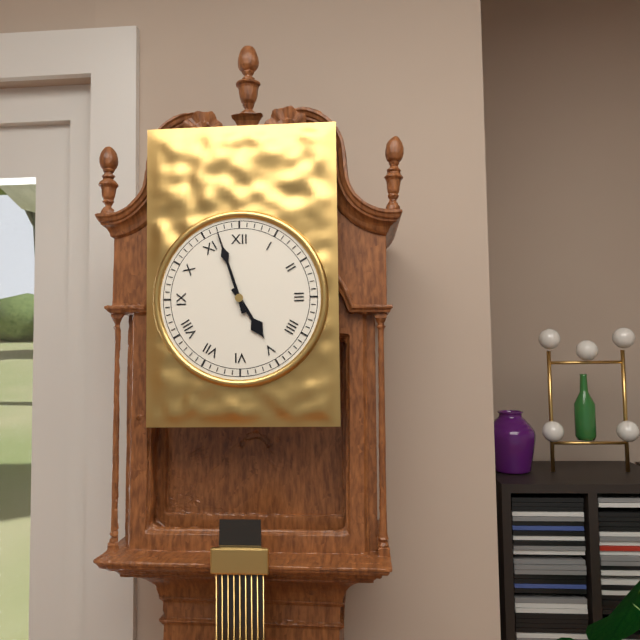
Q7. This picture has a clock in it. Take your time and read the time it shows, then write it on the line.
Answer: 4:57
